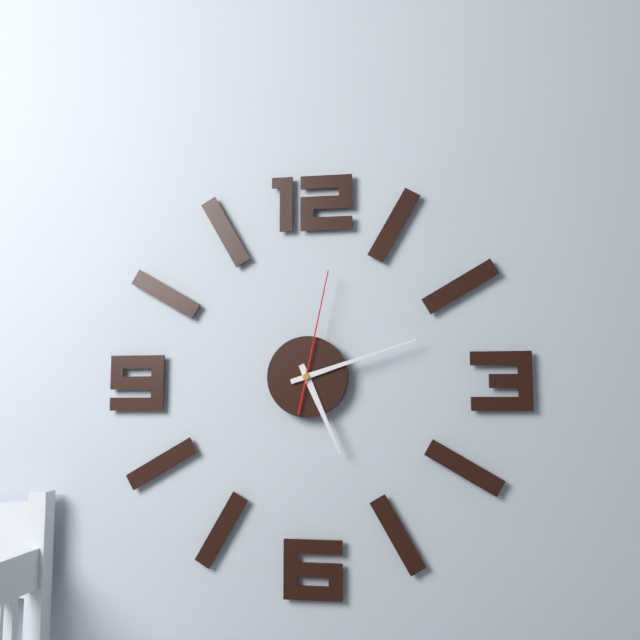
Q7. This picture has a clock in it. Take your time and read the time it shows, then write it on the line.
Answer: 5:12:02
